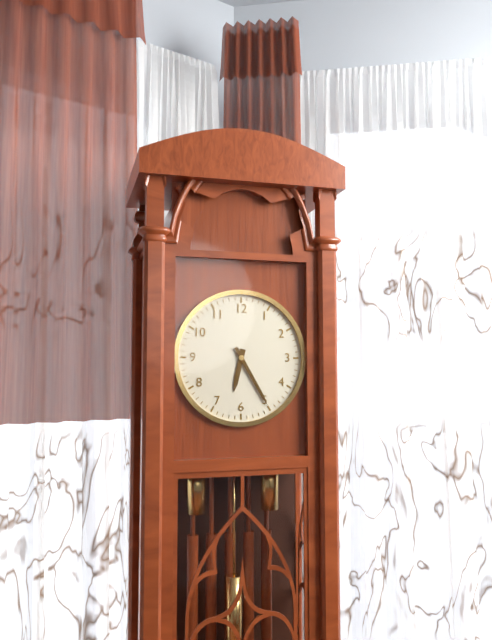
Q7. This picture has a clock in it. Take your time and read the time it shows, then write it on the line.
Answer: 6:25
